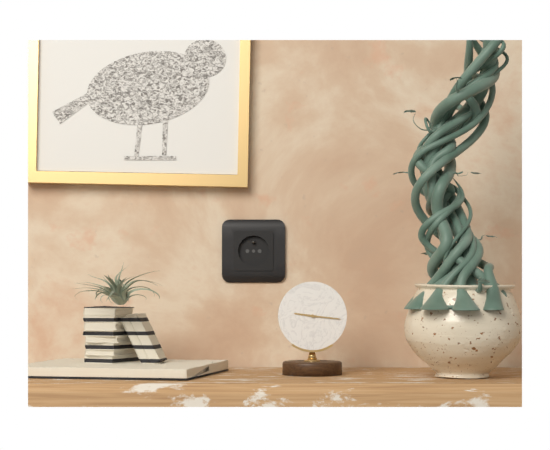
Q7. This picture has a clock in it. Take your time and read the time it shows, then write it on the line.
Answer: 9:16
